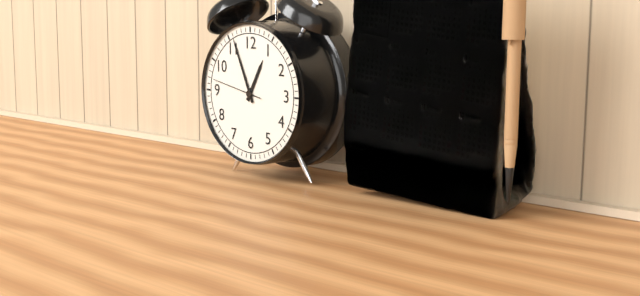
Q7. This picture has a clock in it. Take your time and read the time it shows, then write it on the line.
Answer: 12:56:47
